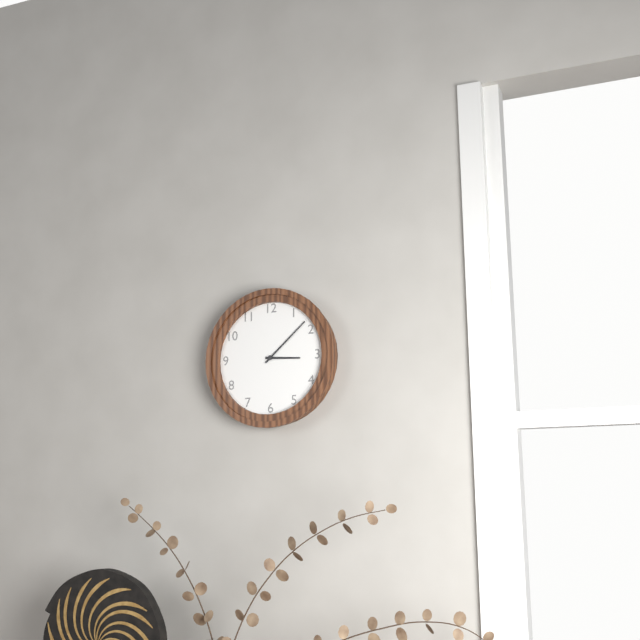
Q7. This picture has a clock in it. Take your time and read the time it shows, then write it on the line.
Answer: 3:08
